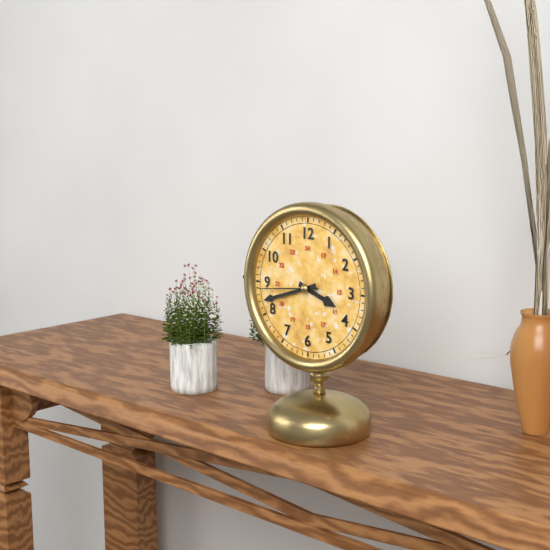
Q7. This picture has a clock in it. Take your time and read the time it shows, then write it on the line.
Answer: 3:42:44
